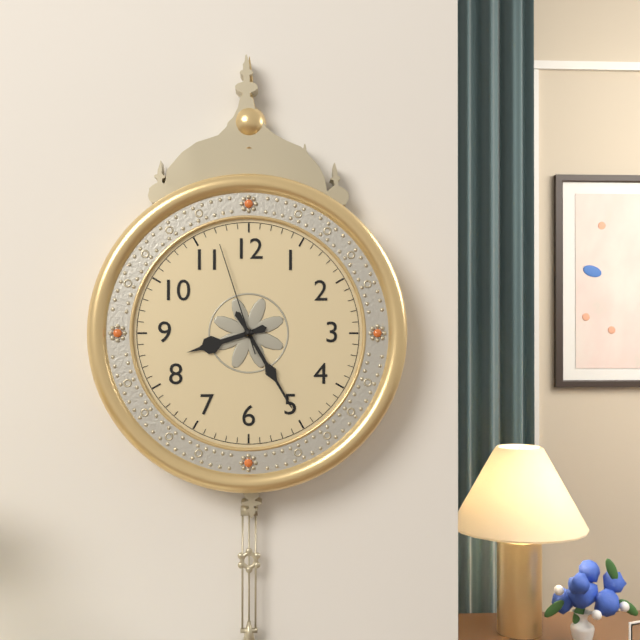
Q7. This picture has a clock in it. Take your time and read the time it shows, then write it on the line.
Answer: 8:25:57
